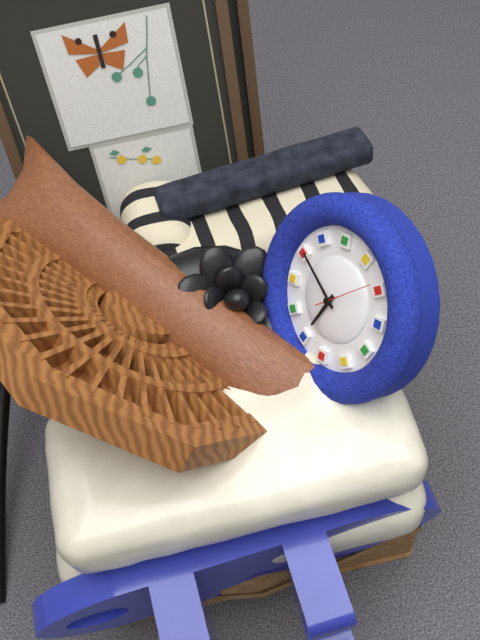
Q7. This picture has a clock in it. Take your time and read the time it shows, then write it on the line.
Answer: 7:56:14
